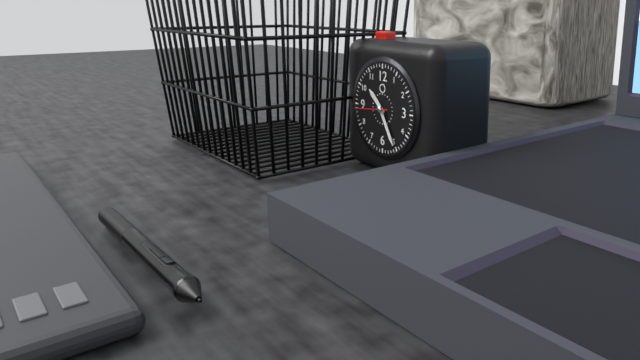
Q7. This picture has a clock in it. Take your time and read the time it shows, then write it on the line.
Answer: 10:25
